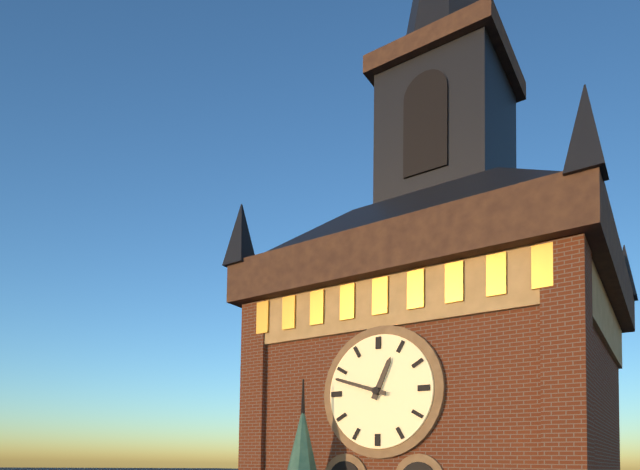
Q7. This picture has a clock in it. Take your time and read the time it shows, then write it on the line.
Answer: 12:48
